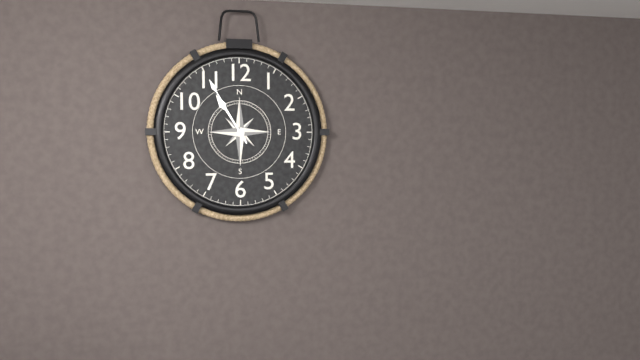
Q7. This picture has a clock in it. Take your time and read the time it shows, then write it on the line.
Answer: 10:55
